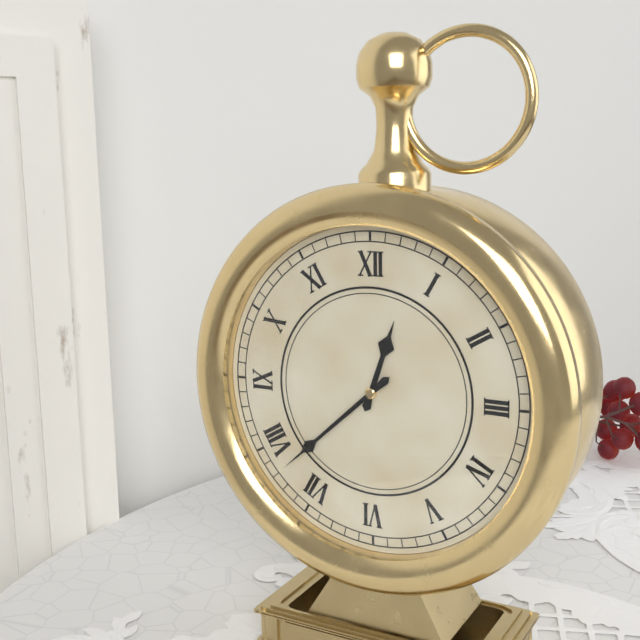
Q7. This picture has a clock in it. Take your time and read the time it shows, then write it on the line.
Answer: 12:38
